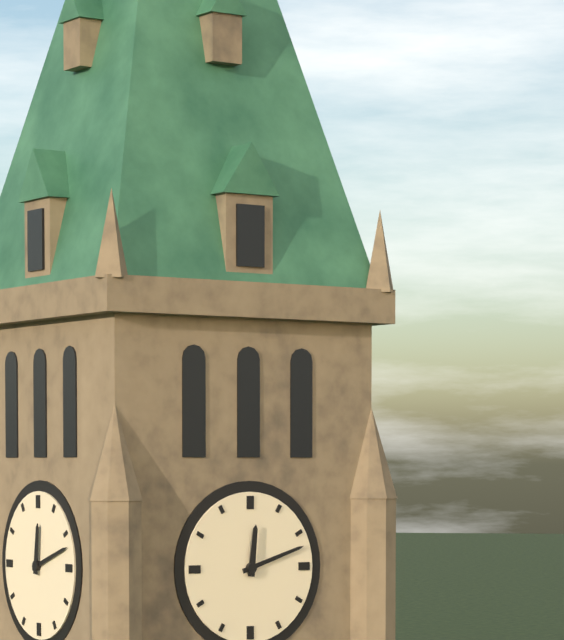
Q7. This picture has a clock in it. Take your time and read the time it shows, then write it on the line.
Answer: 12:12
